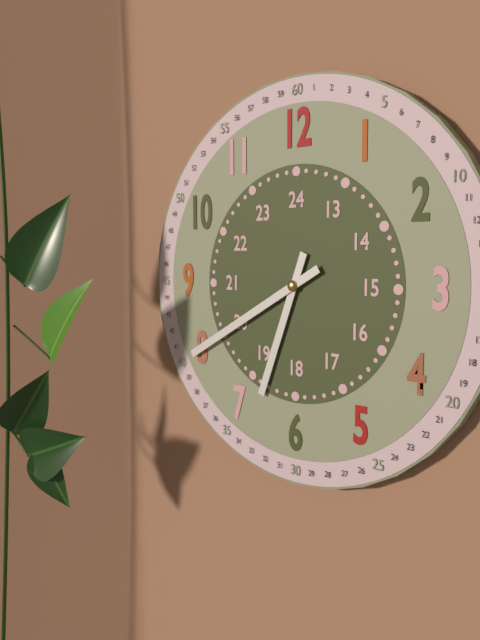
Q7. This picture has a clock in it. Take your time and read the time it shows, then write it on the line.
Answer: 6:40
